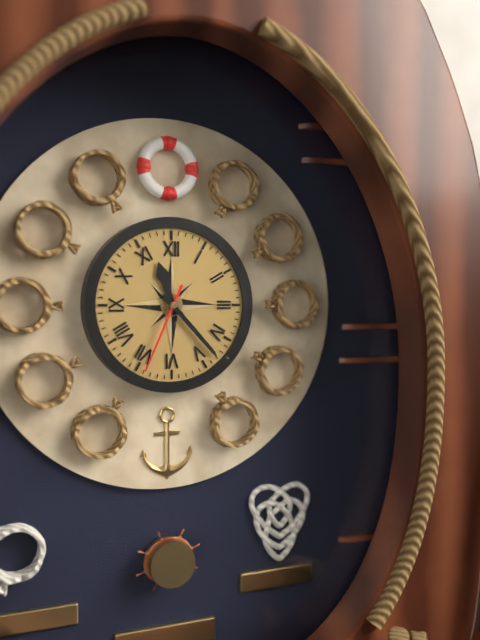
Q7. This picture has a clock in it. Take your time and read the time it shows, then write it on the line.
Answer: 11:23:34
